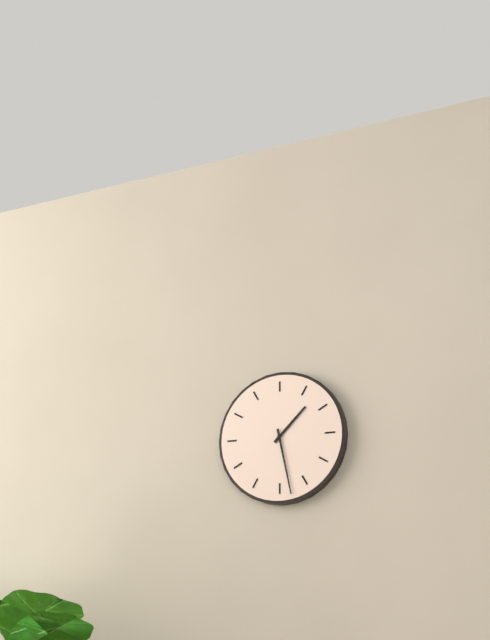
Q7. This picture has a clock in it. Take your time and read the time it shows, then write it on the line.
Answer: 1:28
